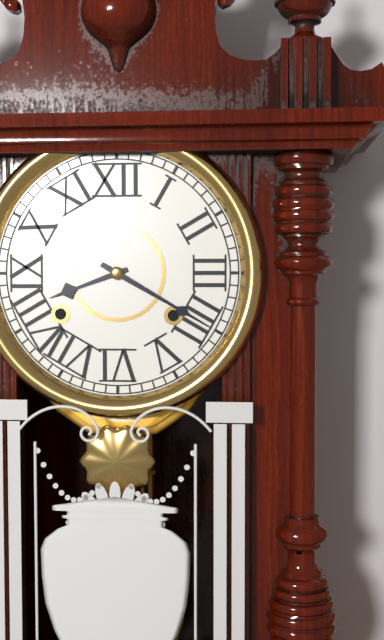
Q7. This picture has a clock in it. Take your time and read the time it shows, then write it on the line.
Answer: 8:20
